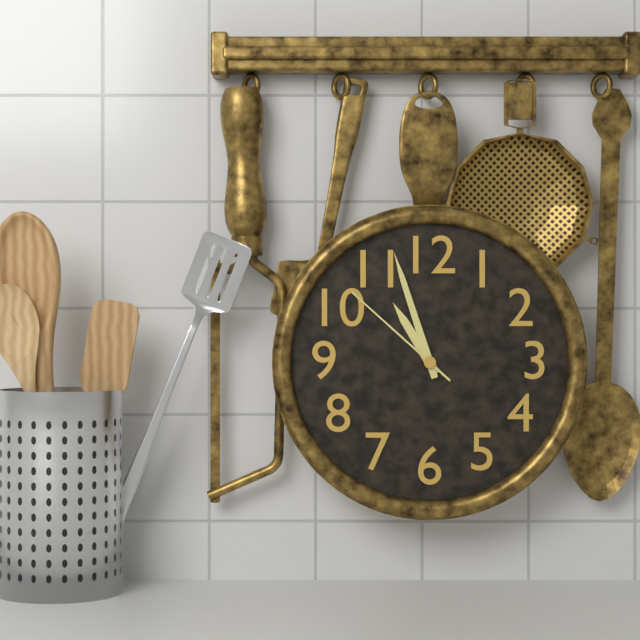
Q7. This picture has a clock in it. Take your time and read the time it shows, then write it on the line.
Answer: 10:57:52
